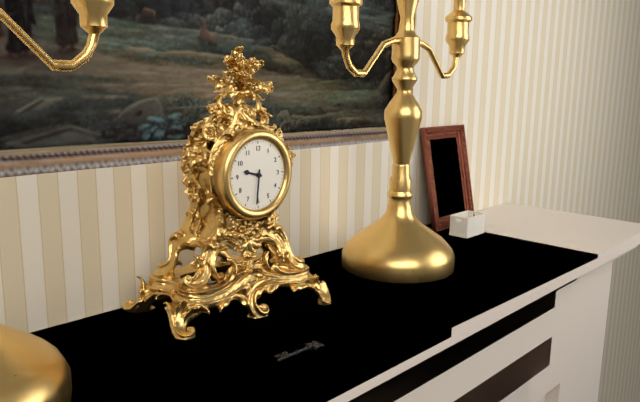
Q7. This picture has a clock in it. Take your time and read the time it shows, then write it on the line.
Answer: 9:31
